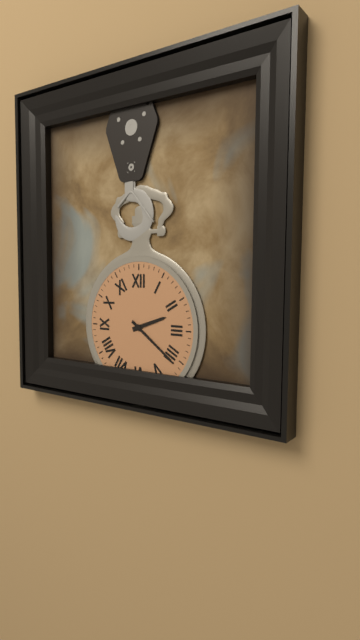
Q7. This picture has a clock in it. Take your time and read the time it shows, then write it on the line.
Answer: 2:21
